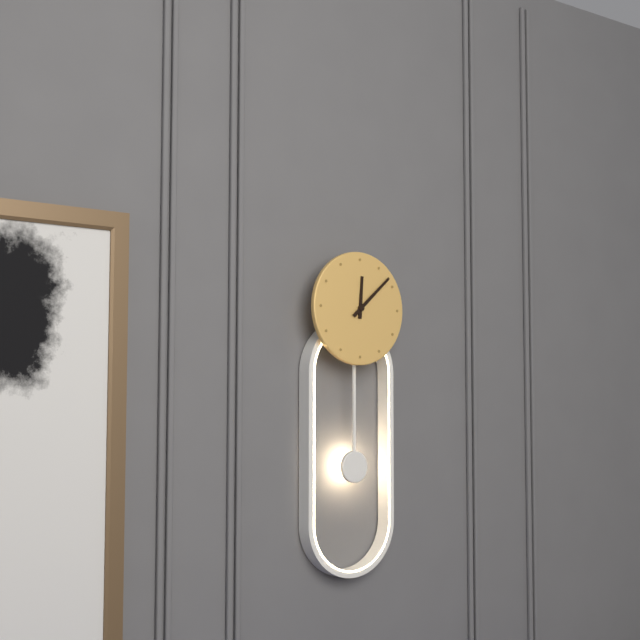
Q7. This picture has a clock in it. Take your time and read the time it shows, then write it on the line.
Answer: 12:08
